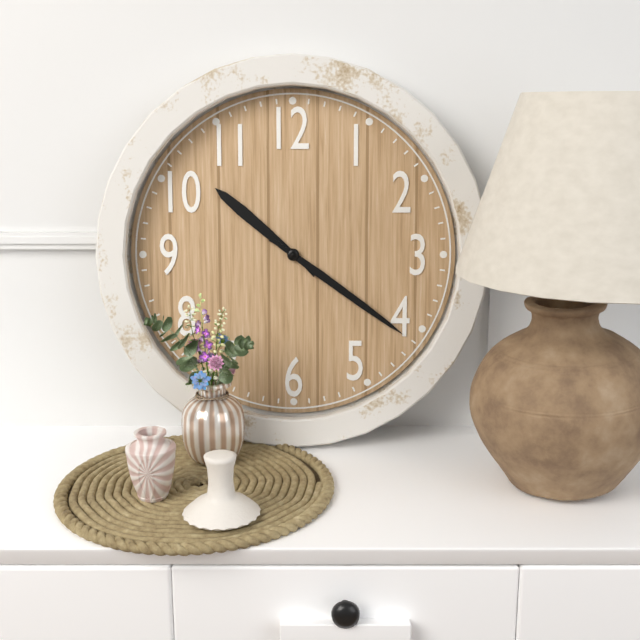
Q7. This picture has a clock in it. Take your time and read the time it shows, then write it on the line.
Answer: 10:21
